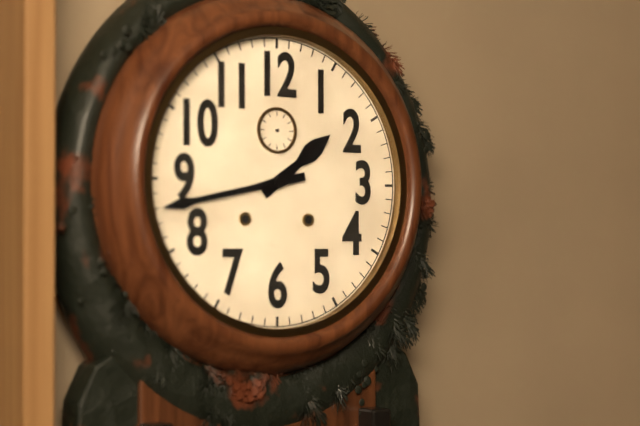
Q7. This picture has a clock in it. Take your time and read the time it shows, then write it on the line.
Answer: 1:43
